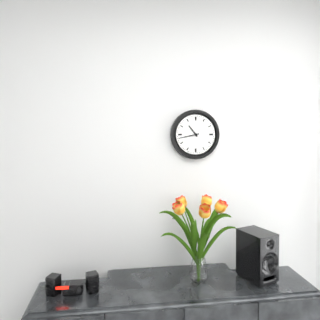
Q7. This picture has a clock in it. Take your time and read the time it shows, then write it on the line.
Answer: 10:43
